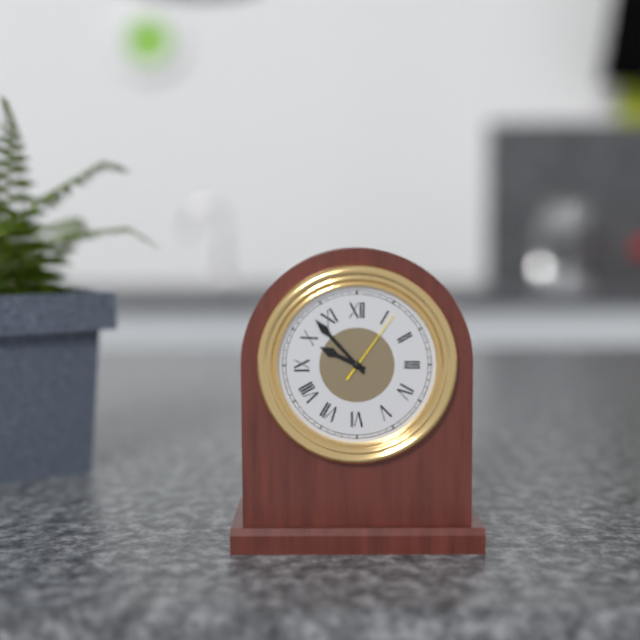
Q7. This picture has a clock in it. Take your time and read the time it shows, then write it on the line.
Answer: 9:53:06
